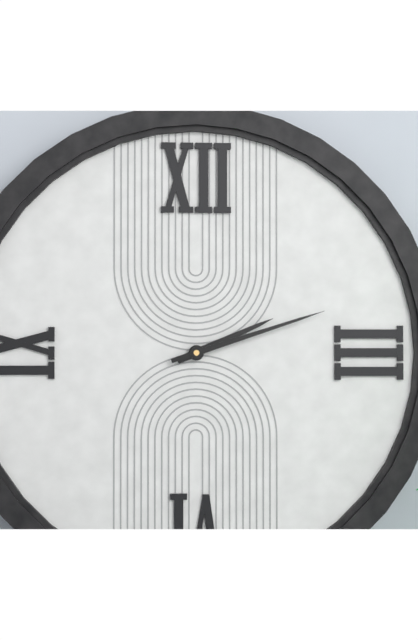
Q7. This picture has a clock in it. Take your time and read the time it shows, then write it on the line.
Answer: 2:12
